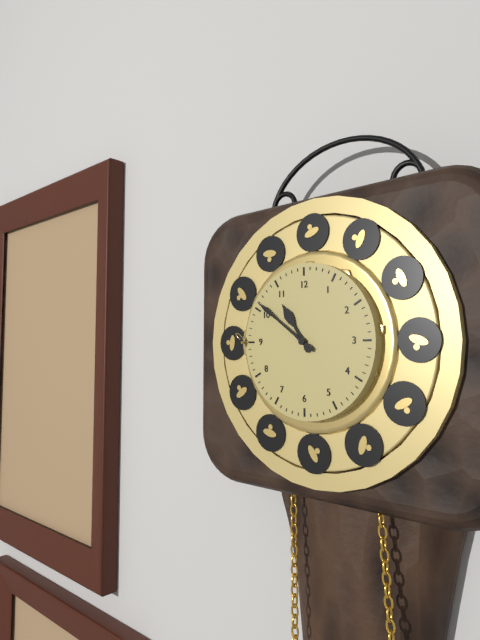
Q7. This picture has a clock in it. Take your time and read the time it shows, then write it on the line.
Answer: 10:51
